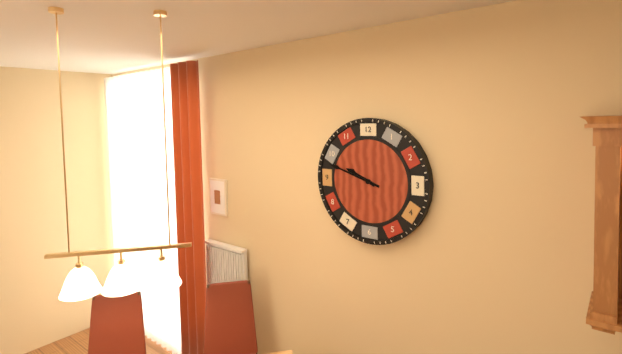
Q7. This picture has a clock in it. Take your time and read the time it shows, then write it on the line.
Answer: 9:48
